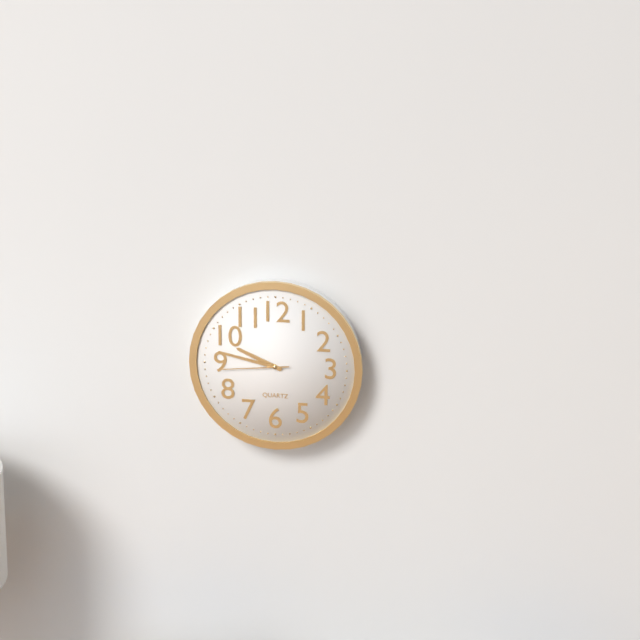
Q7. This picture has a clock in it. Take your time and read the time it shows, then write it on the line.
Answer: 9:47:44
